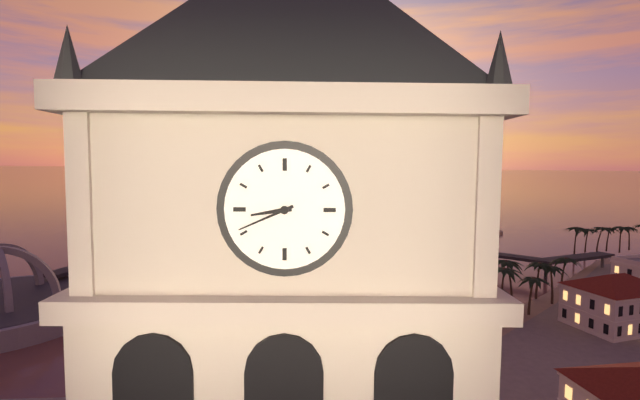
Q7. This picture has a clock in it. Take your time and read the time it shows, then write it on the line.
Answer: 8:41
